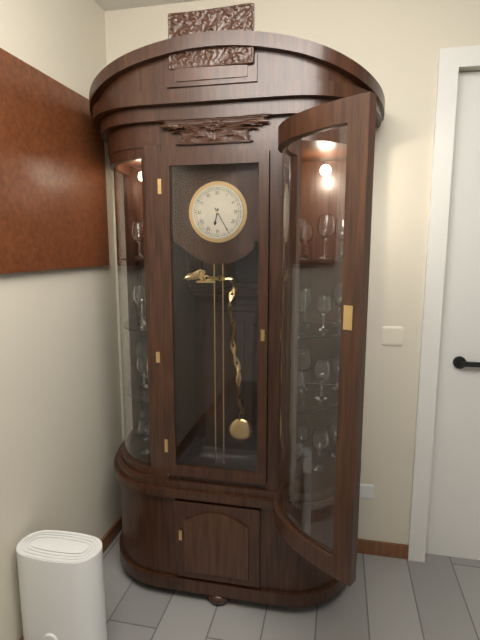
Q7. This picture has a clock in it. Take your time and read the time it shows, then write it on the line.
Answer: 6:25
